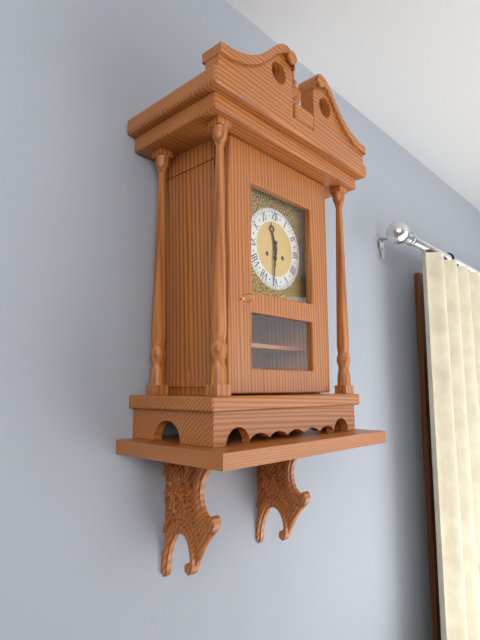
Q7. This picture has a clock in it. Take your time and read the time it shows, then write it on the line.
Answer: 11:31
